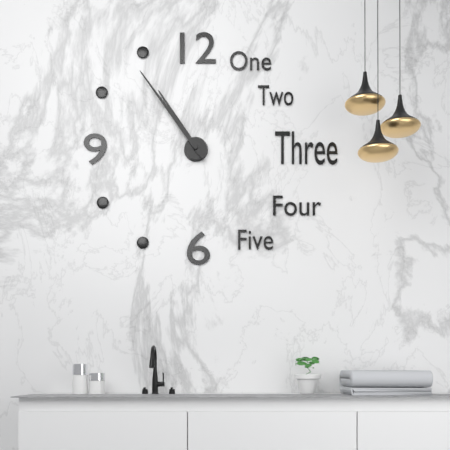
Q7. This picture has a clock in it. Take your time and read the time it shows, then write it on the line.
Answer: 10:54
